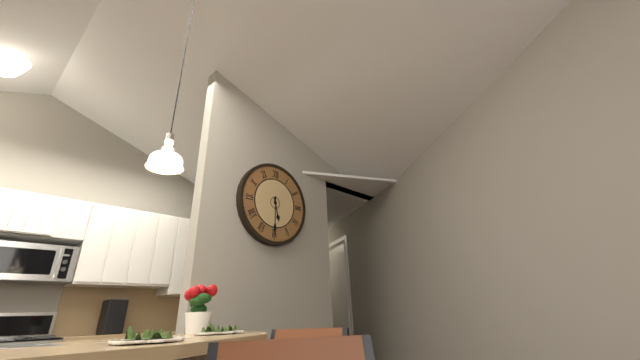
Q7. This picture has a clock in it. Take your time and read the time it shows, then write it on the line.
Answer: 5:30
